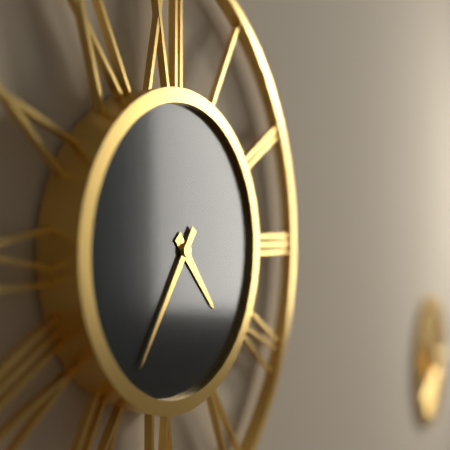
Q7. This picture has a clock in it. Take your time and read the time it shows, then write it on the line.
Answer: 4:36
